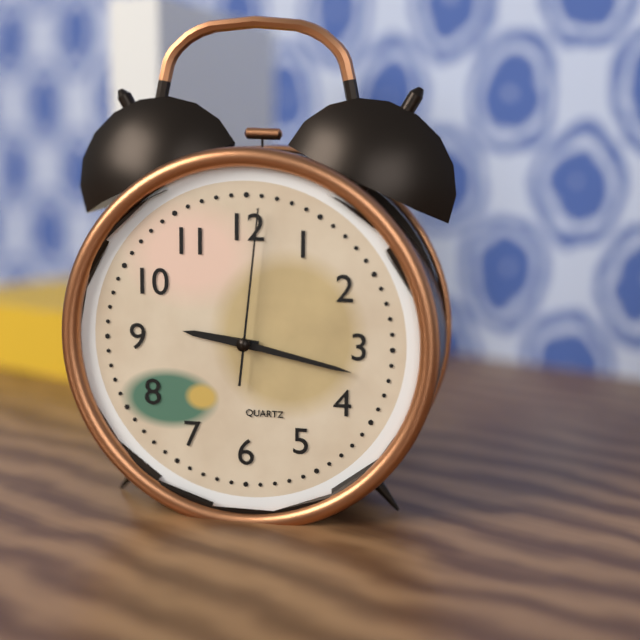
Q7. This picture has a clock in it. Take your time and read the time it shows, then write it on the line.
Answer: 9:17:01
